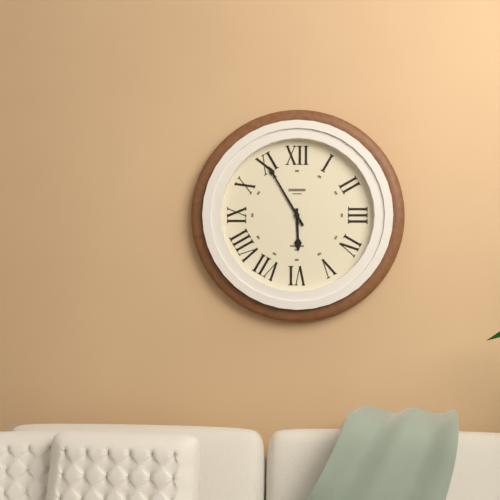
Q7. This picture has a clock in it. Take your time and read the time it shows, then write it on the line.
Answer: 5:55
